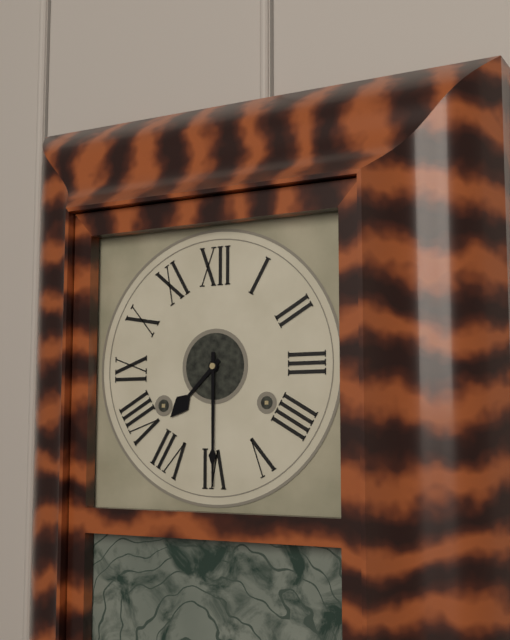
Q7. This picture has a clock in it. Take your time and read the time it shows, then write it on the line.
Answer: 7:30
